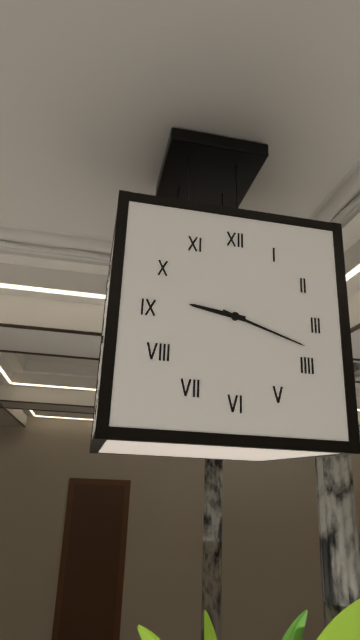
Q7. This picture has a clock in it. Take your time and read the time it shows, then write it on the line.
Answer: 9:18
